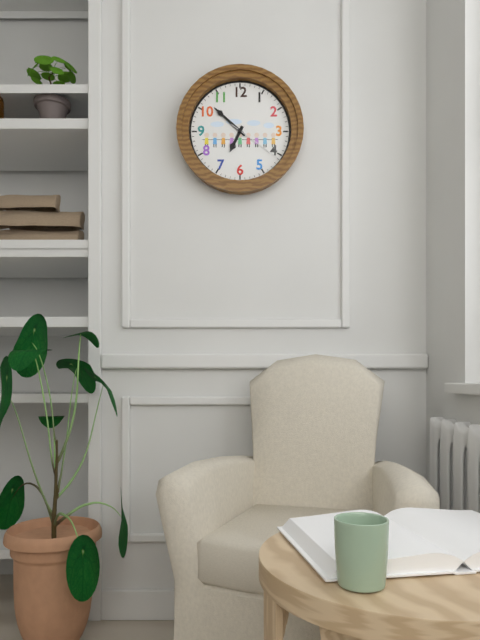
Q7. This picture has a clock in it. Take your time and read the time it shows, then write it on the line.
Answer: 6:52:21
